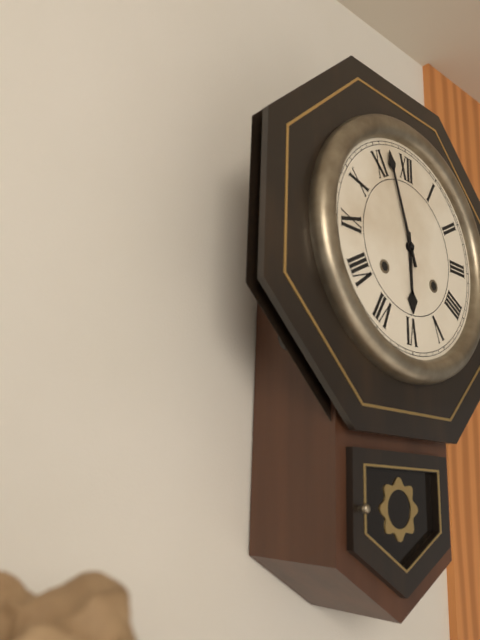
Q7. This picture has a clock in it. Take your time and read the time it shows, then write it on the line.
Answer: 5:57
